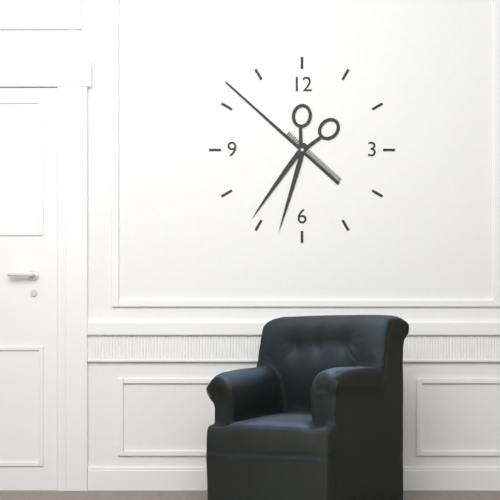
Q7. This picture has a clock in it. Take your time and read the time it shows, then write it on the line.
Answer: 6:52
